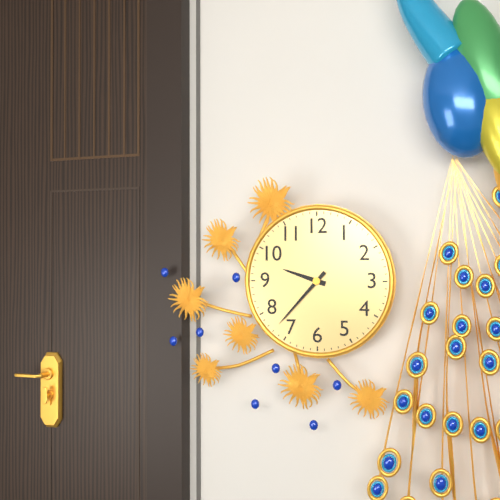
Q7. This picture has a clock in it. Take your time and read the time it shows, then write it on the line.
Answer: 9:37
